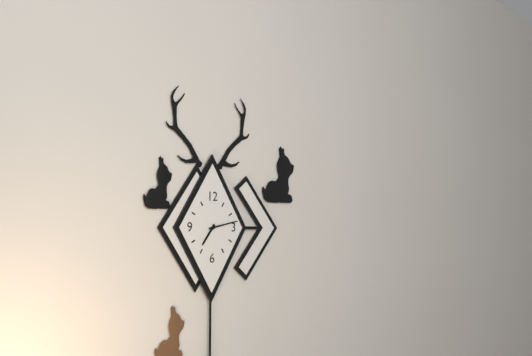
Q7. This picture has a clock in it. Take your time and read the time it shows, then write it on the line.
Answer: 7:13
